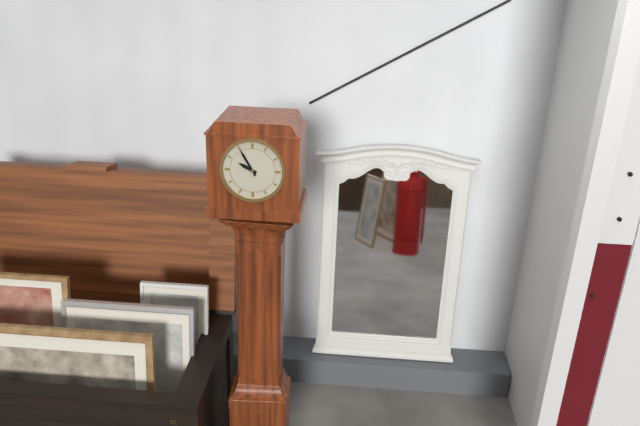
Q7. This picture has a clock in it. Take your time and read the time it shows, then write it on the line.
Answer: 9:55
